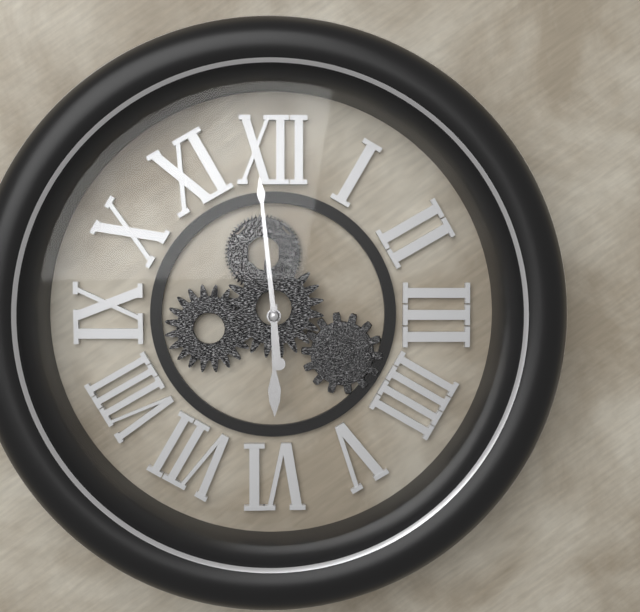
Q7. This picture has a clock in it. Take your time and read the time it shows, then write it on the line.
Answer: 5:59
